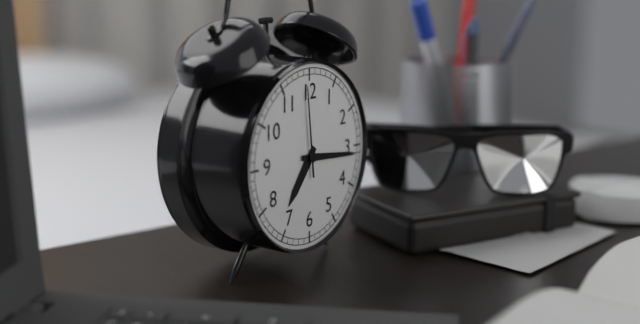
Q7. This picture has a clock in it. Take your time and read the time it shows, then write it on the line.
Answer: 7:16:59
